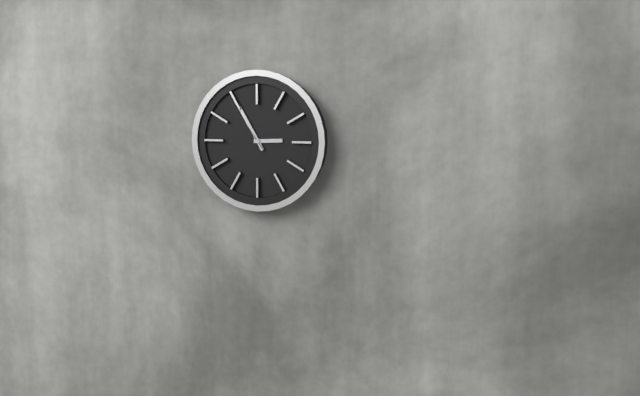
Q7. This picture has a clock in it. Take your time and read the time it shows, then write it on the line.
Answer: 2:55:54
